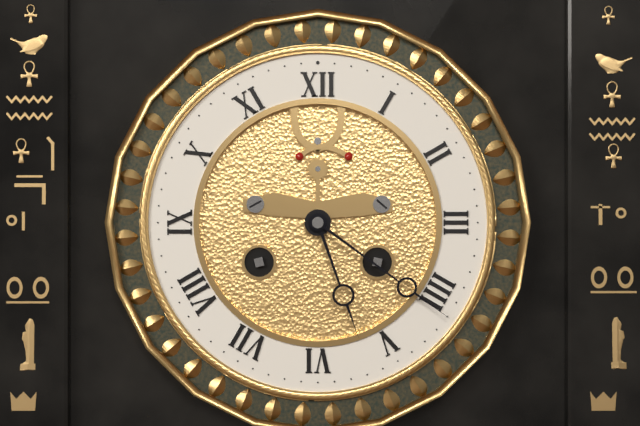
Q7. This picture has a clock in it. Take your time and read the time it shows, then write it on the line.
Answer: 5:21
